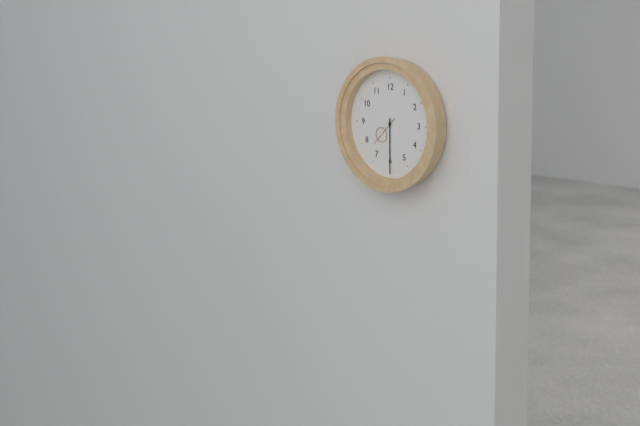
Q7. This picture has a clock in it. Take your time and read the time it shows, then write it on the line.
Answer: 7:30
